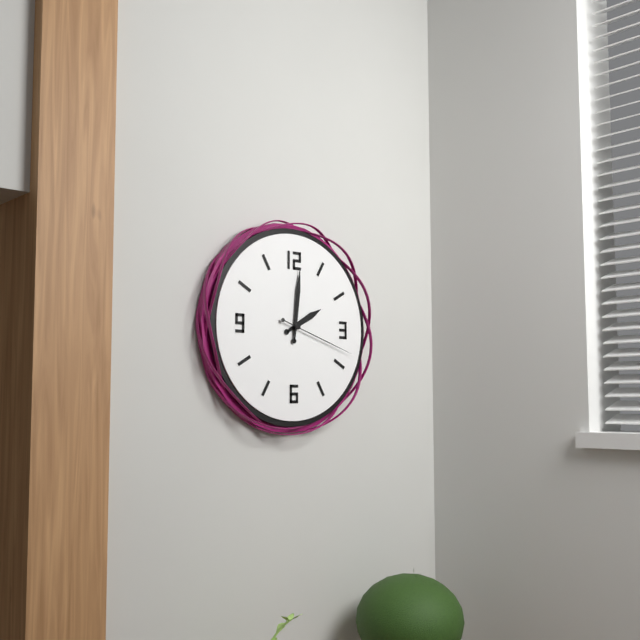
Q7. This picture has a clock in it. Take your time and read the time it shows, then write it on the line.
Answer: 2:01:18
